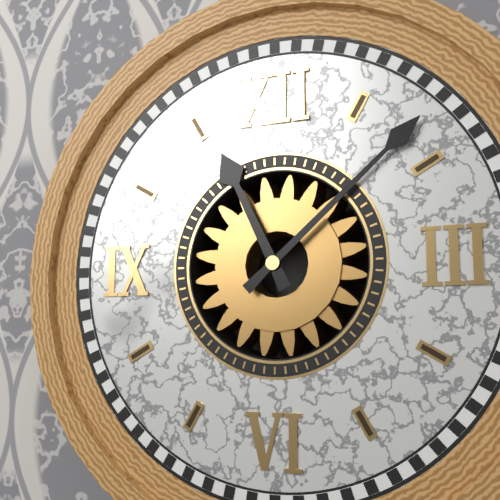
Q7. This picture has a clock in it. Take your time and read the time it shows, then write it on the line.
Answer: 11:08
